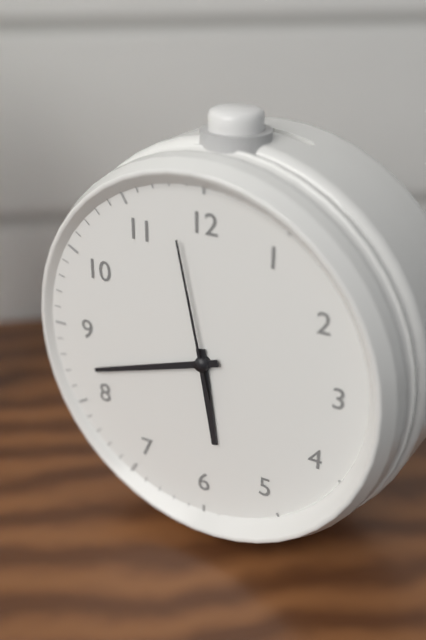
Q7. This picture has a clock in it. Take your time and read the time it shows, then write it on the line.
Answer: 5:42:58
